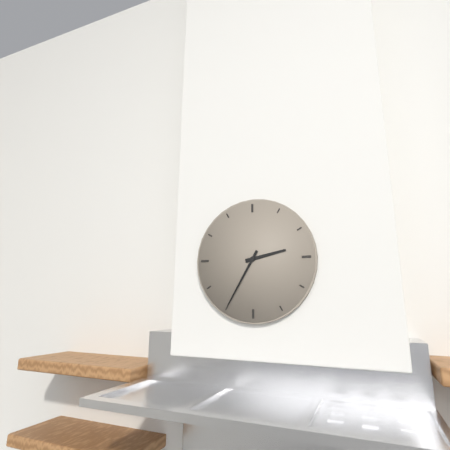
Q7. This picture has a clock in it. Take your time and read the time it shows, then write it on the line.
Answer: 2:35
